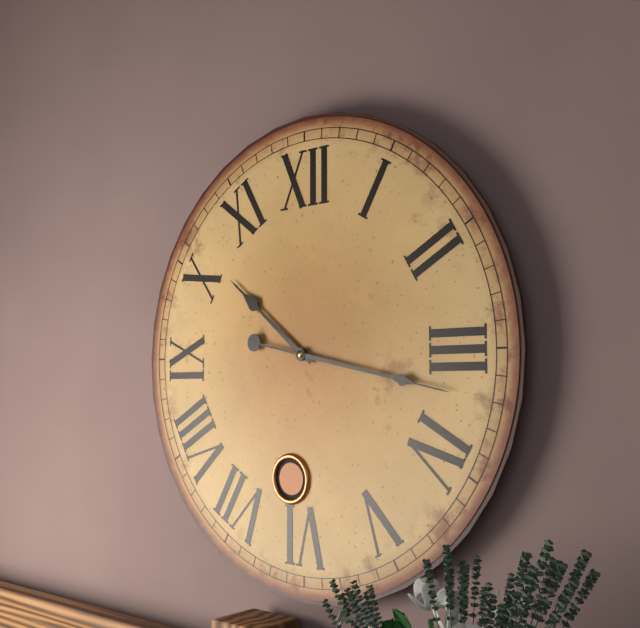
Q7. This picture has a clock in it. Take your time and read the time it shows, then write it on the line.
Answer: 10:17
